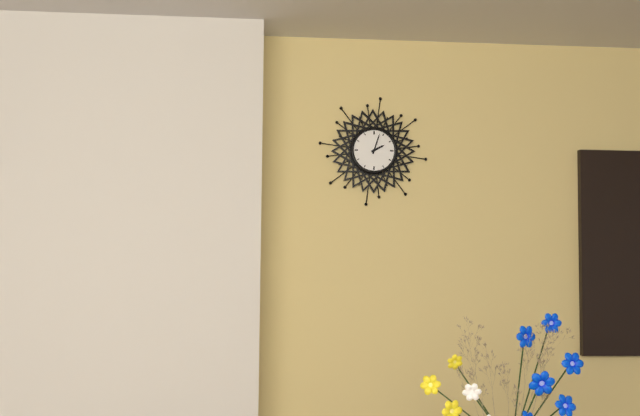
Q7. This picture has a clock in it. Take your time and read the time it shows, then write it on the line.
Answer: 2:03
